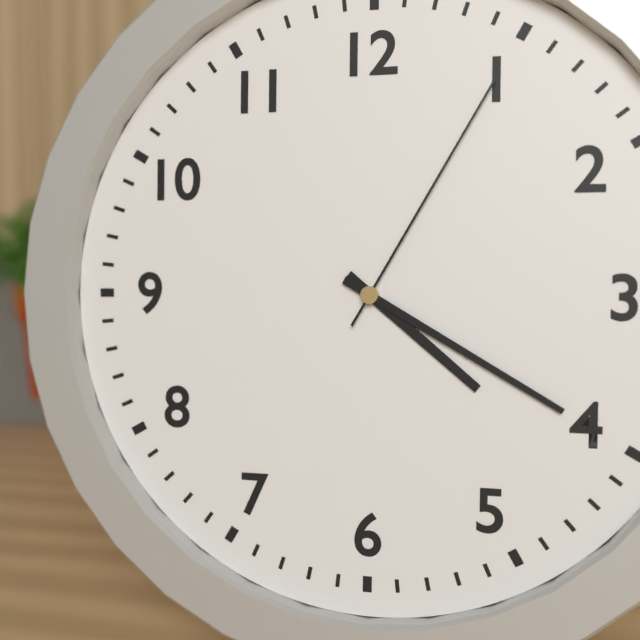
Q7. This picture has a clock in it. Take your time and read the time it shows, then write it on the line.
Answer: 4:20:05
